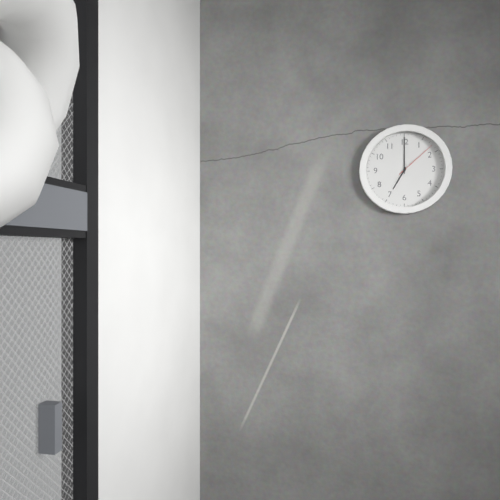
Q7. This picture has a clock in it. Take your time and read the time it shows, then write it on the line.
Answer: 7:00
